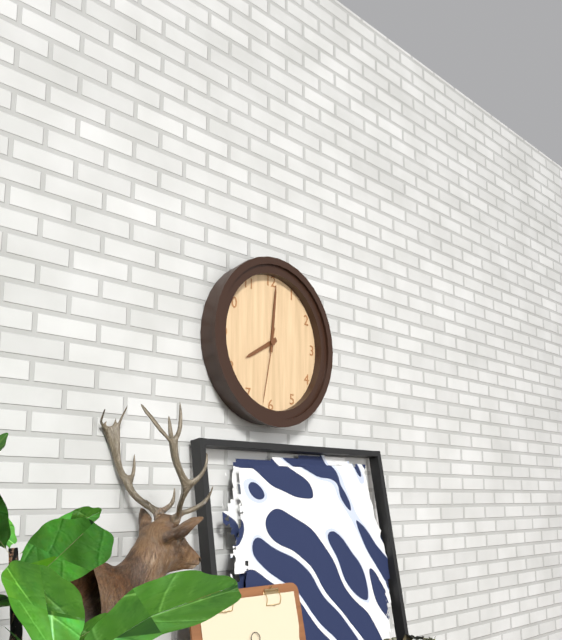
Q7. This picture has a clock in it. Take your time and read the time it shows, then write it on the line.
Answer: 8:01:32
